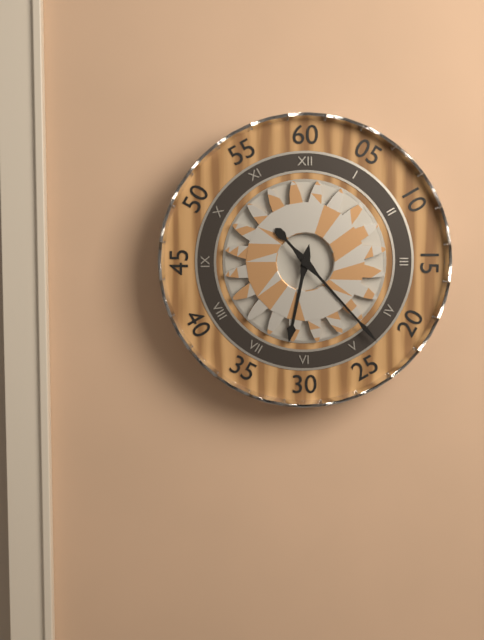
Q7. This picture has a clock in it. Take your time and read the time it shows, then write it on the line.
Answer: 6:23
